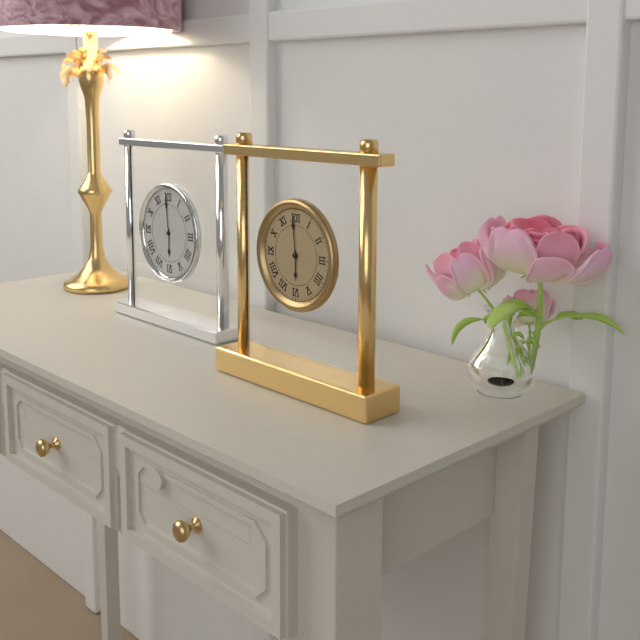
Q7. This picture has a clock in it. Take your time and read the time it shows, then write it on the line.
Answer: 5:59
